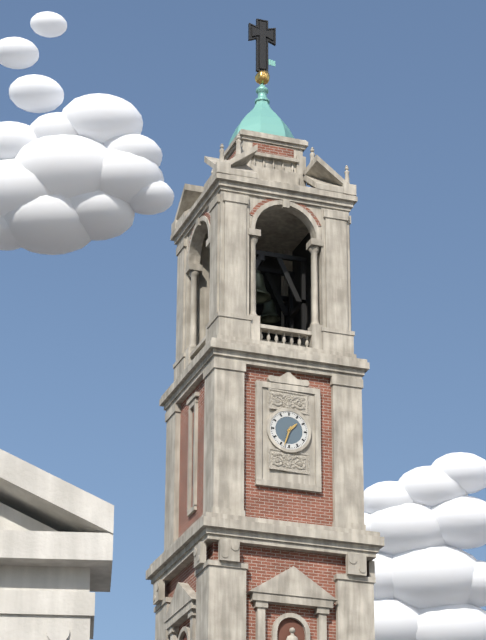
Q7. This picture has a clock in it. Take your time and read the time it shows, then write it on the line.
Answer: 1:33
